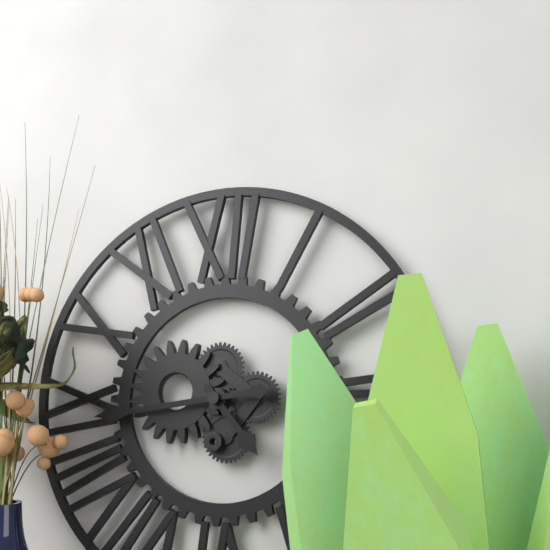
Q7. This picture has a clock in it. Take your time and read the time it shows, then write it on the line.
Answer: 4:44
